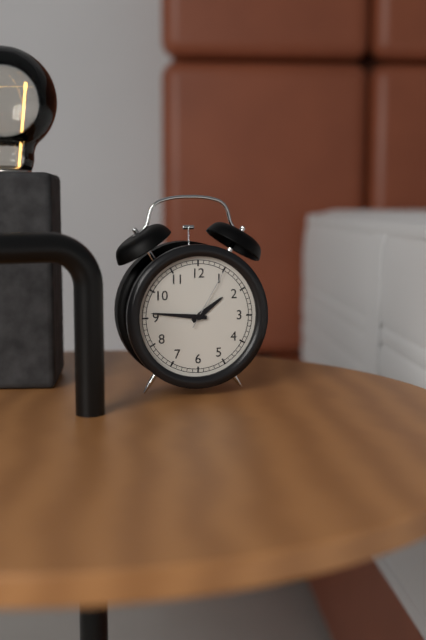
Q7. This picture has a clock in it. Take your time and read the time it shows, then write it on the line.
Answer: 1:46:05
